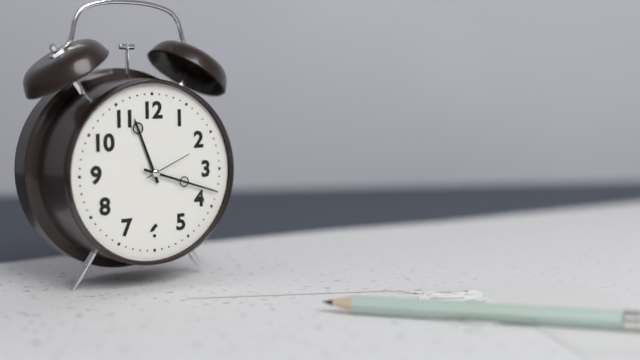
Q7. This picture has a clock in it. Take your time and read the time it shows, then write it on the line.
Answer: 11:18
